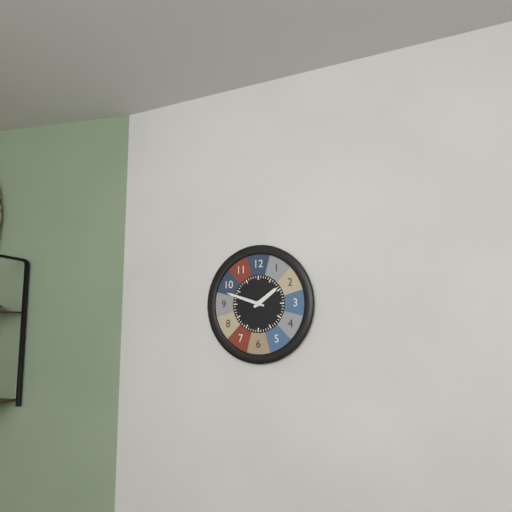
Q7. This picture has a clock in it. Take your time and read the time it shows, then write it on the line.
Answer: 1:48
